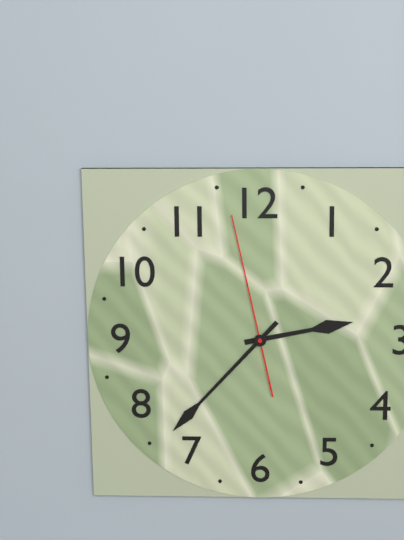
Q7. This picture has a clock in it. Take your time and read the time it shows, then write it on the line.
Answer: 2:37:58
